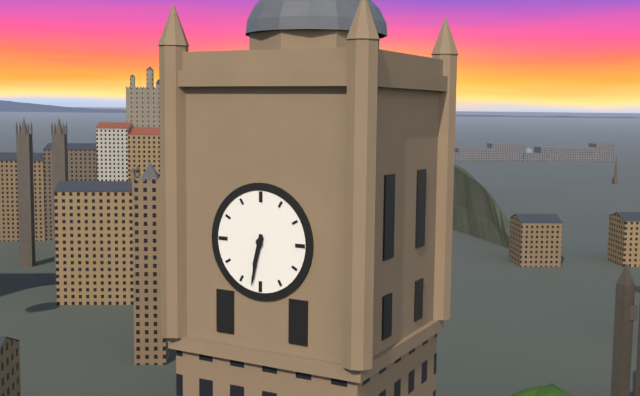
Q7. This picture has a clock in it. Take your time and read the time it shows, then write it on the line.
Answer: 6:32
